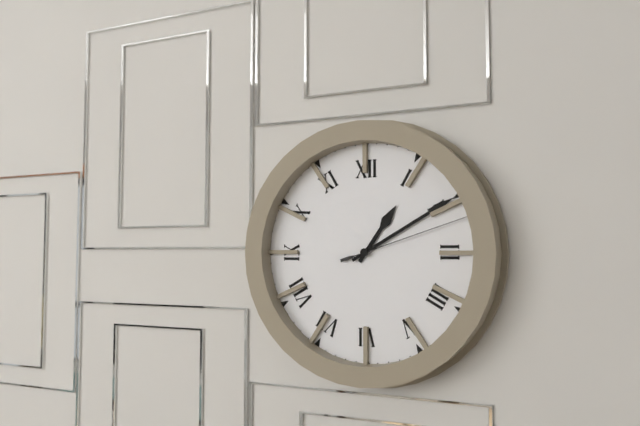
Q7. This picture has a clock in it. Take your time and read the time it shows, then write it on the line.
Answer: 1:10:12
